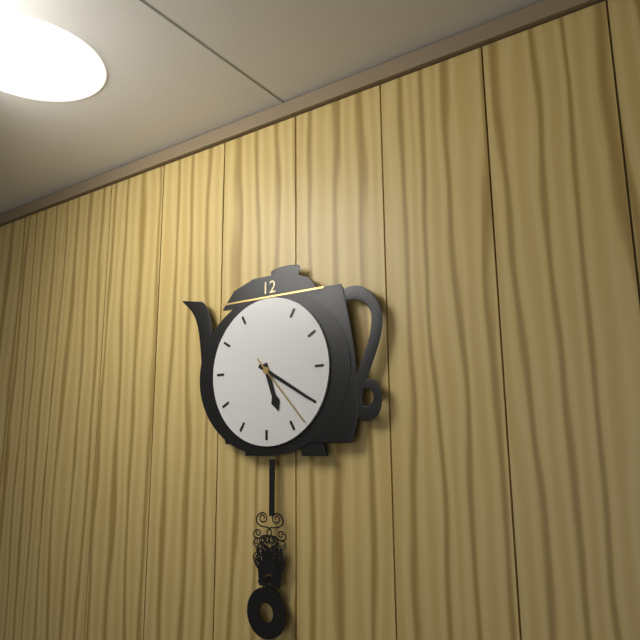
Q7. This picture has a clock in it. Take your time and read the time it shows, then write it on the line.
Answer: 5:20:23
